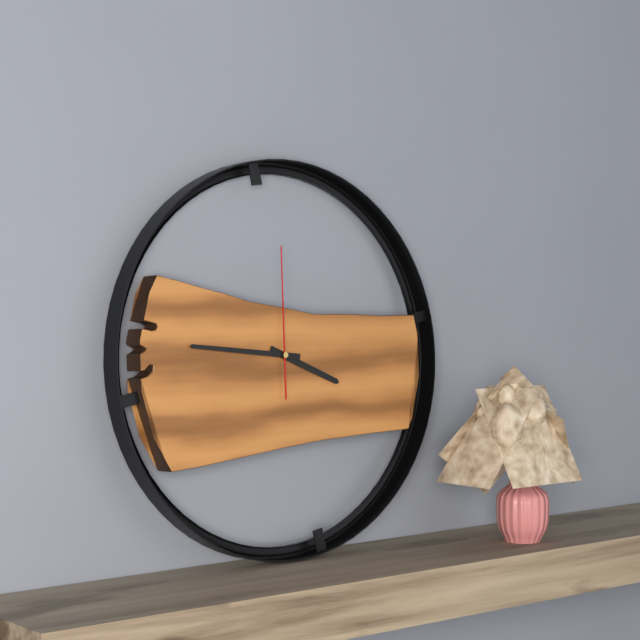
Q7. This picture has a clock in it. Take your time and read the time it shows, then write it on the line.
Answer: 3:46:00
